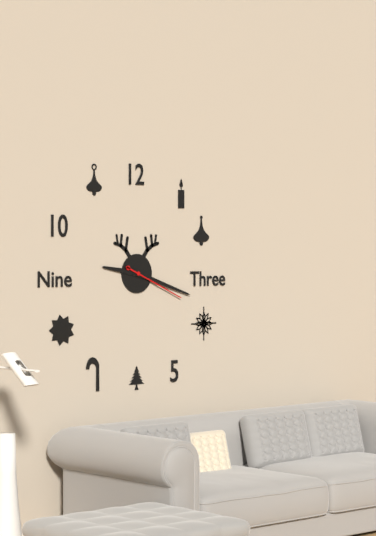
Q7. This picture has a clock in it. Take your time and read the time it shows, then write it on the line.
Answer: 9:18:19
